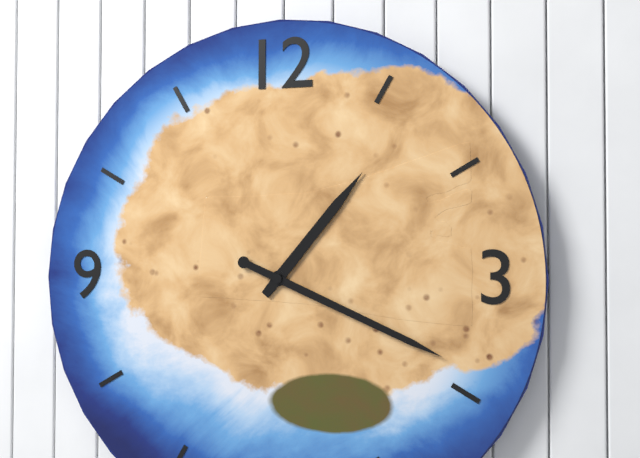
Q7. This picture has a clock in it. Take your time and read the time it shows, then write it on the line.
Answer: 1:19
